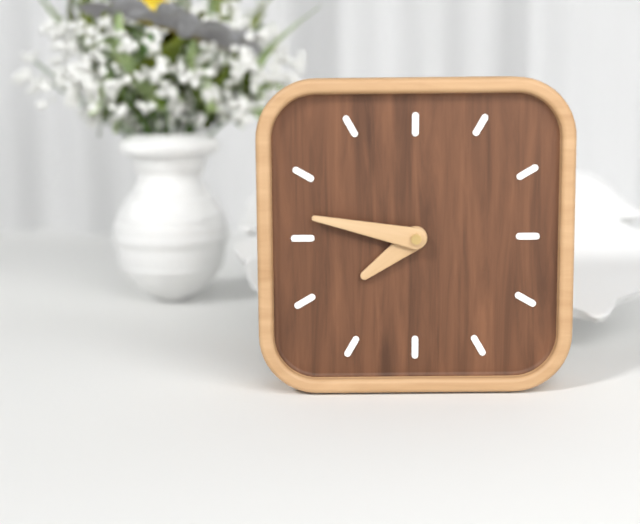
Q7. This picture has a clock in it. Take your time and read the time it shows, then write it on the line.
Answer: 7:47
